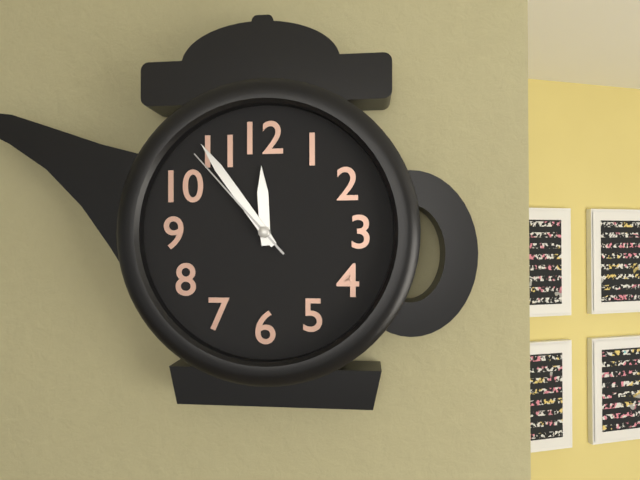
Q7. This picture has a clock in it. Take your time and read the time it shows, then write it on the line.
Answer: 11:54:53
